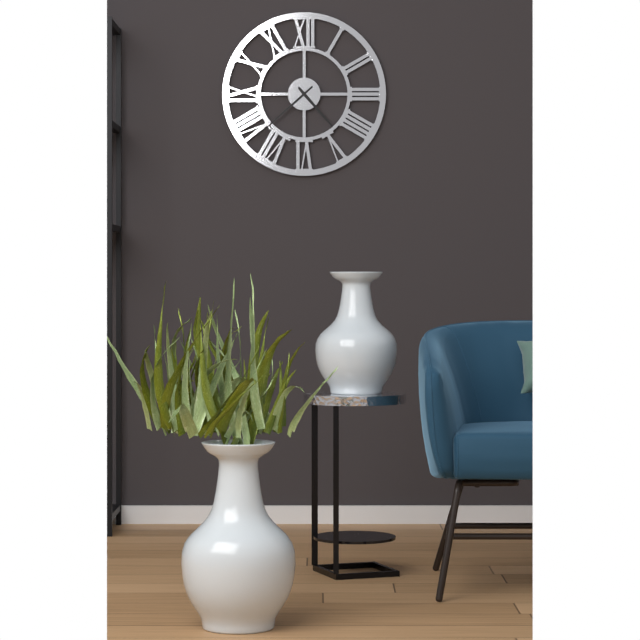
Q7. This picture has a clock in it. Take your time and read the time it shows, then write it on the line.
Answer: 4:38
